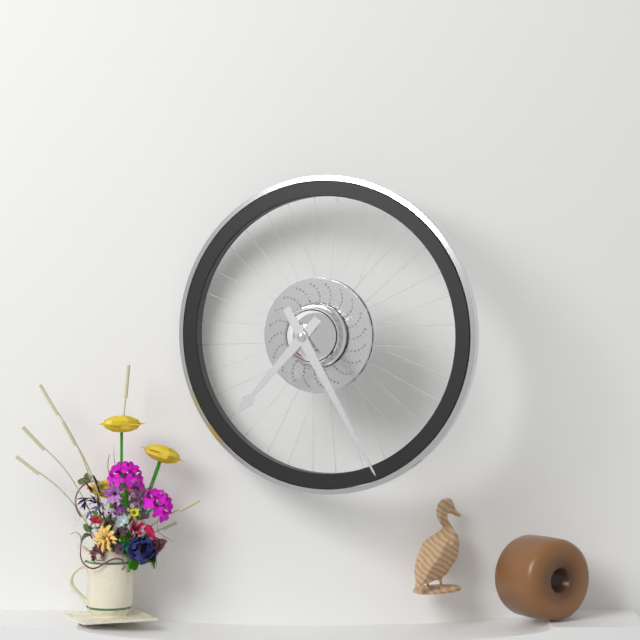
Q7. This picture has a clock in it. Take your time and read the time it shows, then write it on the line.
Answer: 7:25
